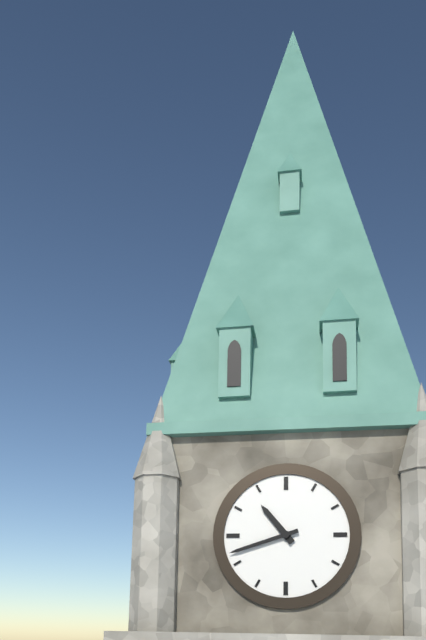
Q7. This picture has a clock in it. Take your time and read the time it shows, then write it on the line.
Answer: 10:42
